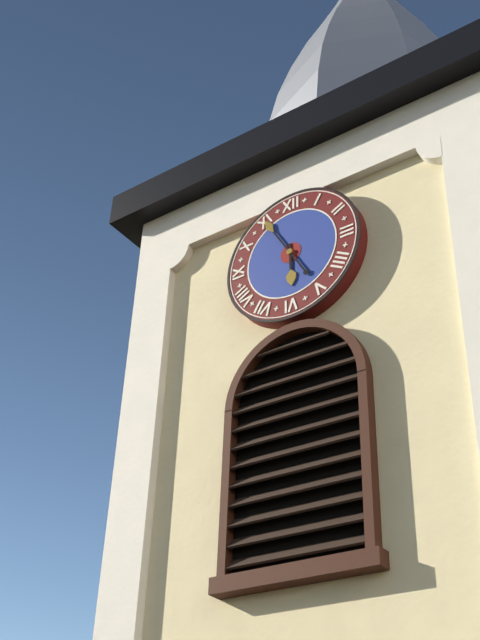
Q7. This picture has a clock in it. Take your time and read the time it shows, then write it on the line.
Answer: 5:55
